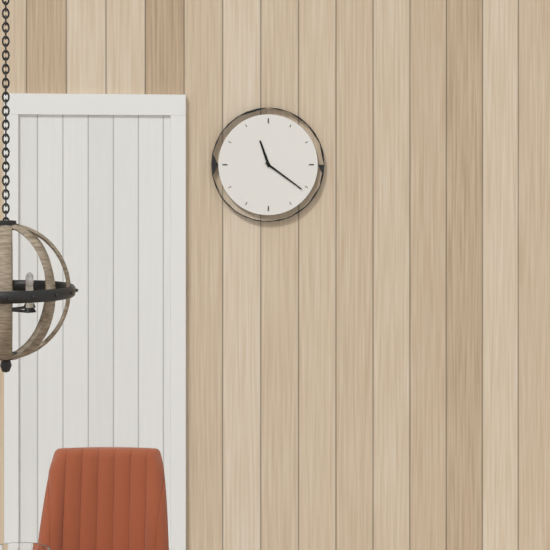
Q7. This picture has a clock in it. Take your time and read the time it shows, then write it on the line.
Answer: 11:21
